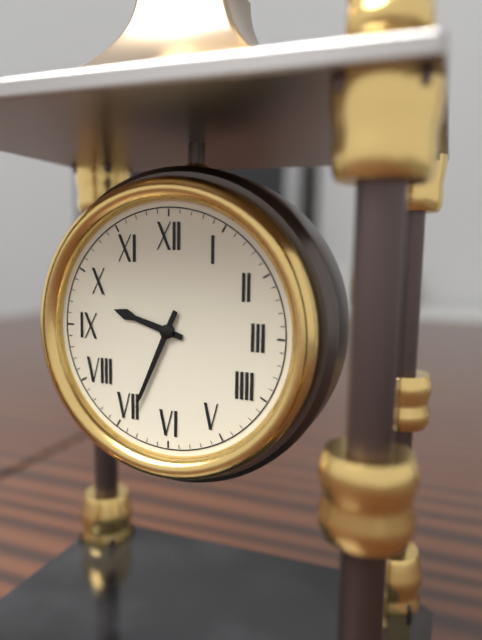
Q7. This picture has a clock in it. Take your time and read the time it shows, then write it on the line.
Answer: 9:34
